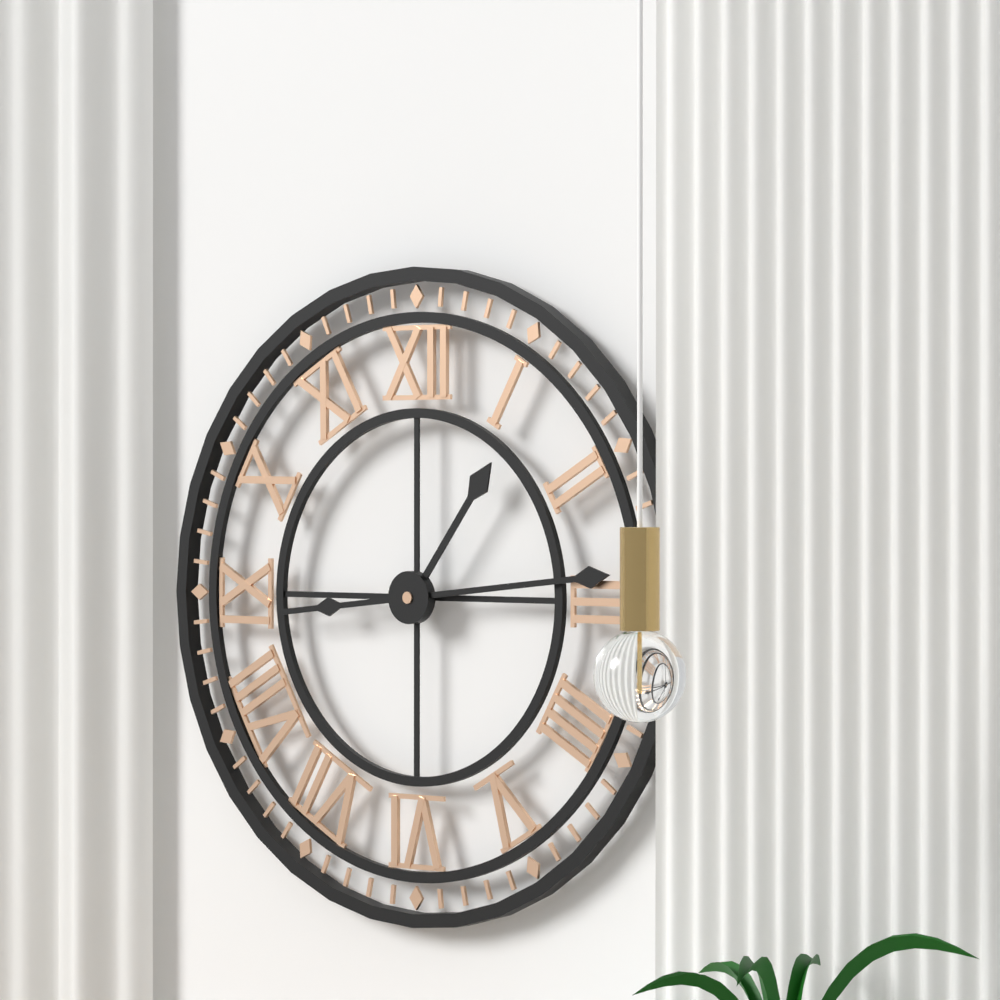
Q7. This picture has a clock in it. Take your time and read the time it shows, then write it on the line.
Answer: 1:14
